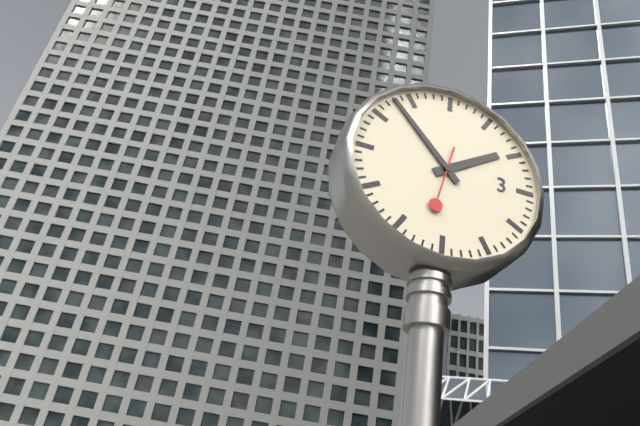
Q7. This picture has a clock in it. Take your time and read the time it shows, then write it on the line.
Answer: 1:53:32
